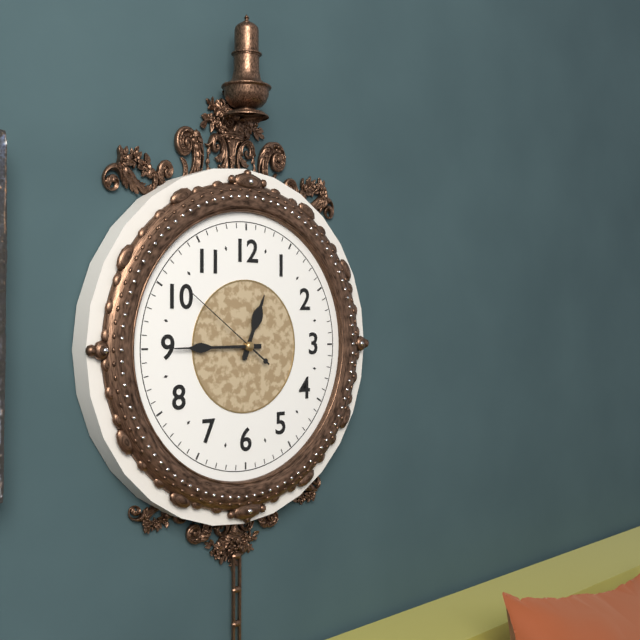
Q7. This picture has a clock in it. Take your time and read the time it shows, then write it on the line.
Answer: 12:45:51
